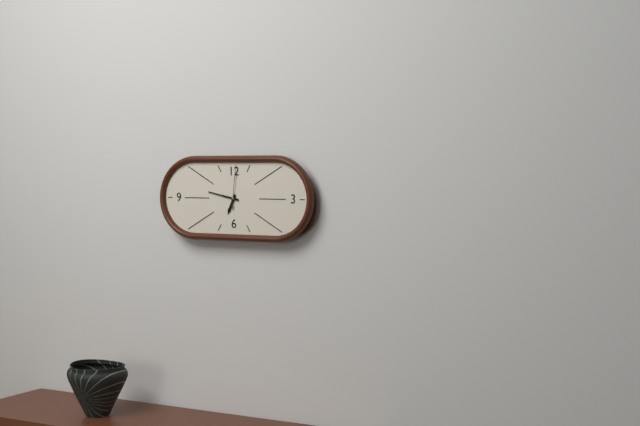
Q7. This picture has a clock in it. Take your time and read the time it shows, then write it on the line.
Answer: 6:47
